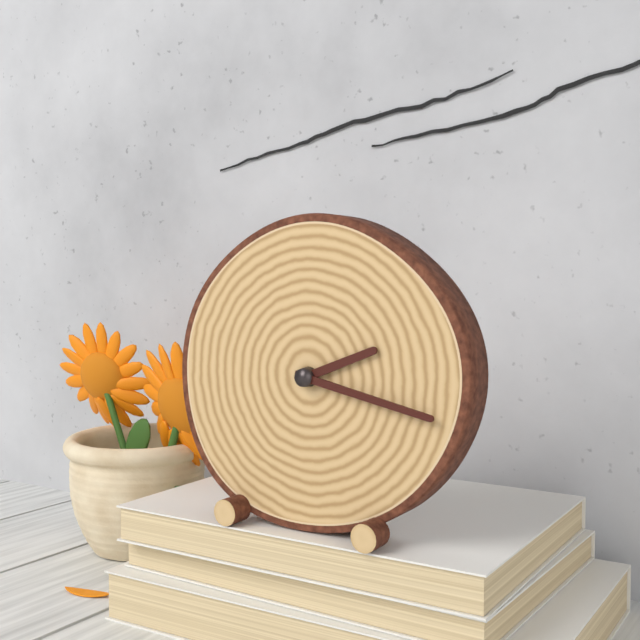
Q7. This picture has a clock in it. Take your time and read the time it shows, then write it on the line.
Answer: 2:17
